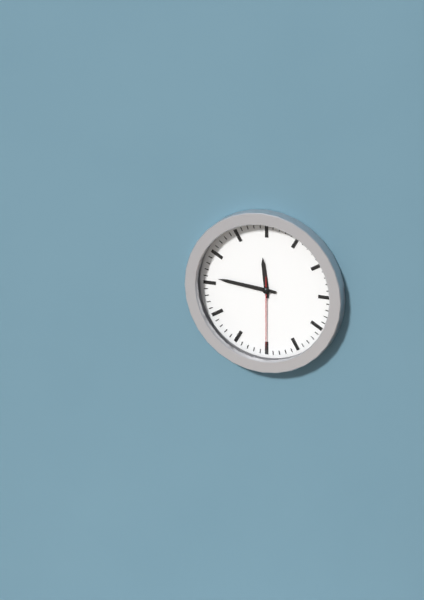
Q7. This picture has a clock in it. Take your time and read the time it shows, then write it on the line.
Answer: 11:46:30
